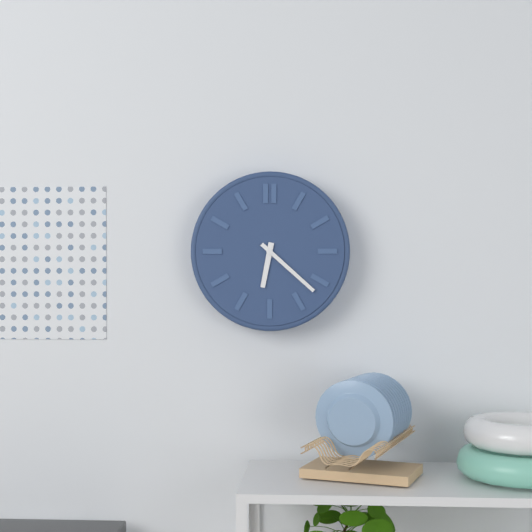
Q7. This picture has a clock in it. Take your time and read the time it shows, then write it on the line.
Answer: 6:22
